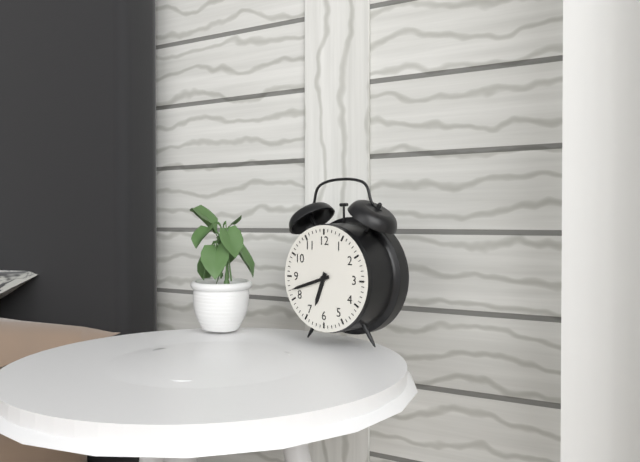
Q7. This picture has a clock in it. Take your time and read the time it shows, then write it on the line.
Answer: 6:42
